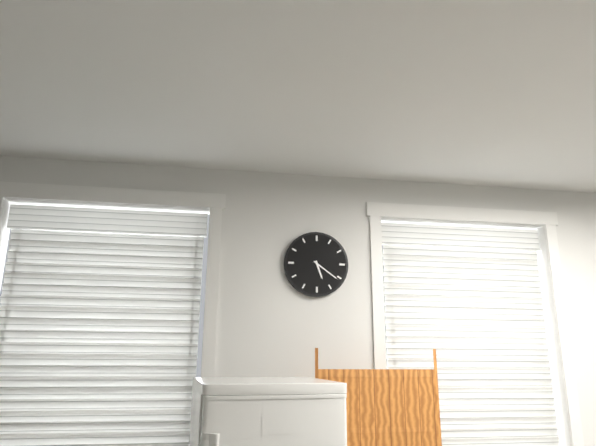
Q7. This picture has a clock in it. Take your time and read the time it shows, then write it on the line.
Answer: 5:21
